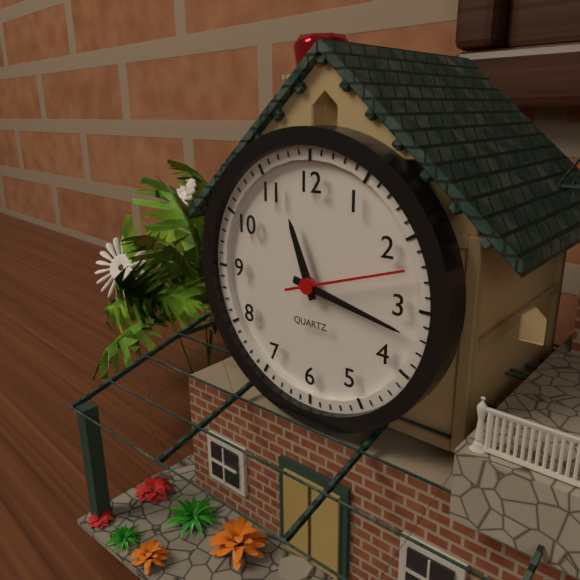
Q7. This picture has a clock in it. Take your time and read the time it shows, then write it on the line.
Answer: 11:17:12
